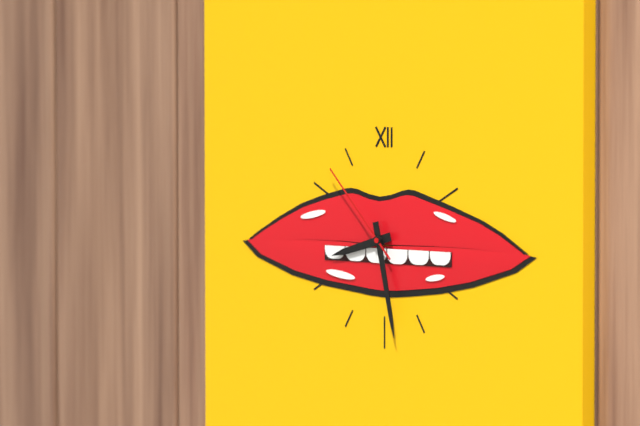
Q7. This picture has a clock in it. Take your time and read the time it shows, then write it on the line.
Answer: 8:28:53
